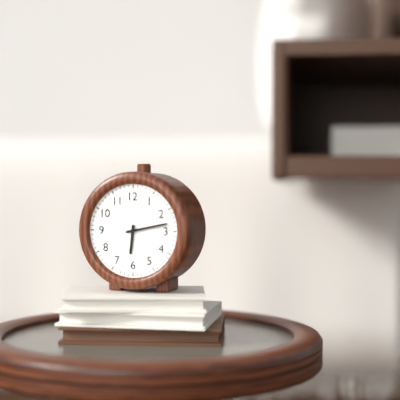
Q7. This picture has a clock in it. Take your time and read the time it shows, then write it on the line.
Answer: 6:13
